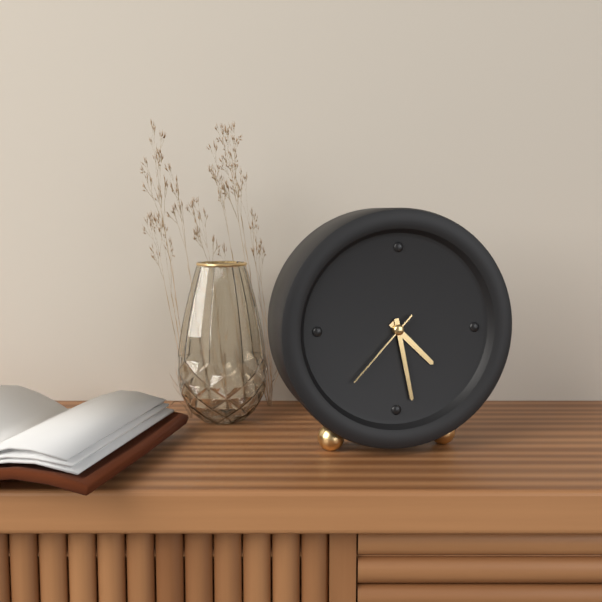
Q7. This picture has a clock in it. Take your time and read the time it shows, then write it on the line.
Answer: 4:28:37
